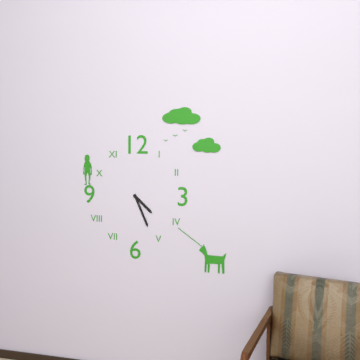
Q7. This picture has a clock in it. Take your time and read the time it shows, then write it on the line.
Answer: 4:26
